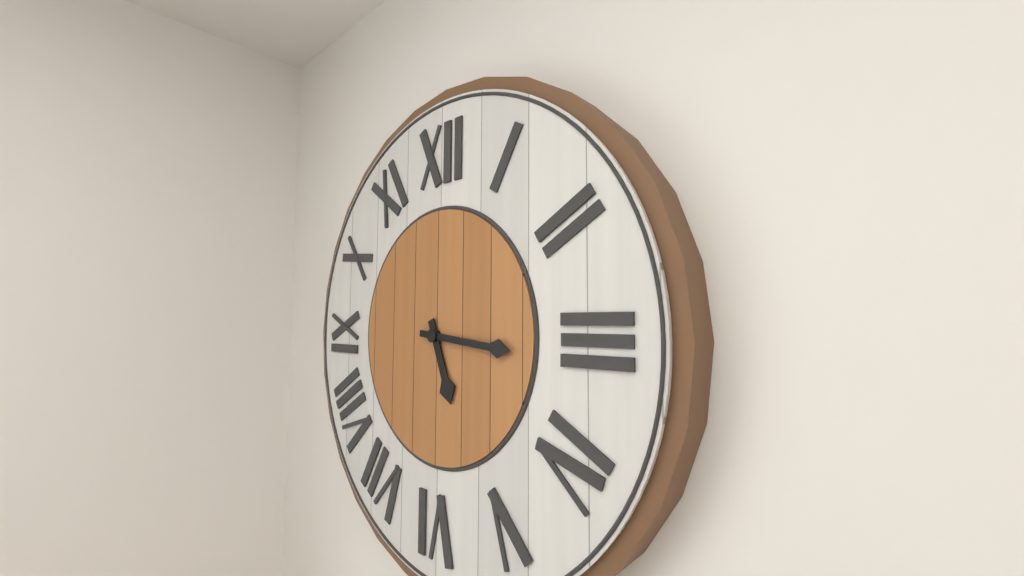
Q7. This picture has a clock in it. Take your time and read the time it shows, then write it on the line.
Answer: 5:16
